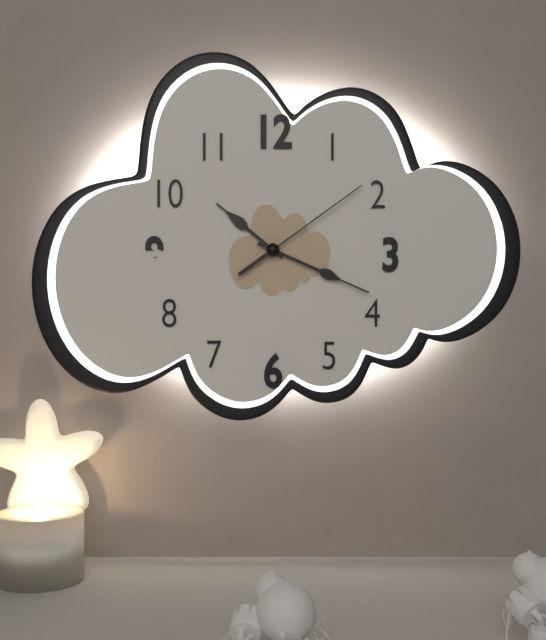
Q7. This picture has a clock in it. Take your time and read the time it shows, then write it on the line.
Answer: 10:19:09
